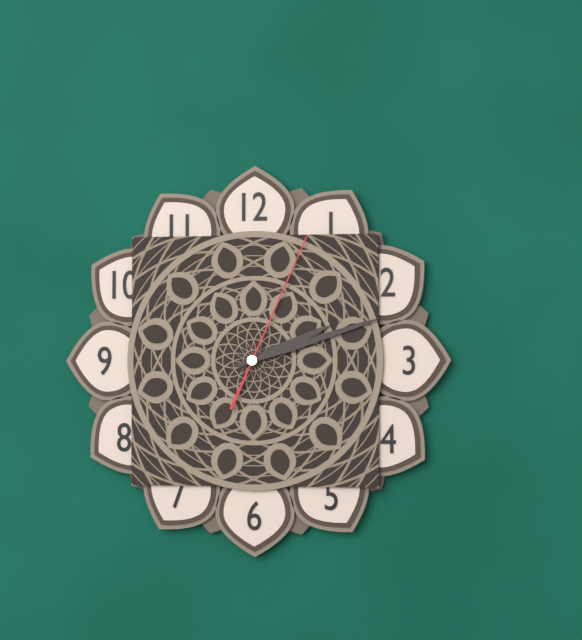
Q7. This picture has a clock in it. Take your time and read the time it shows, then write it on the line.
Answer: 2:12:04
